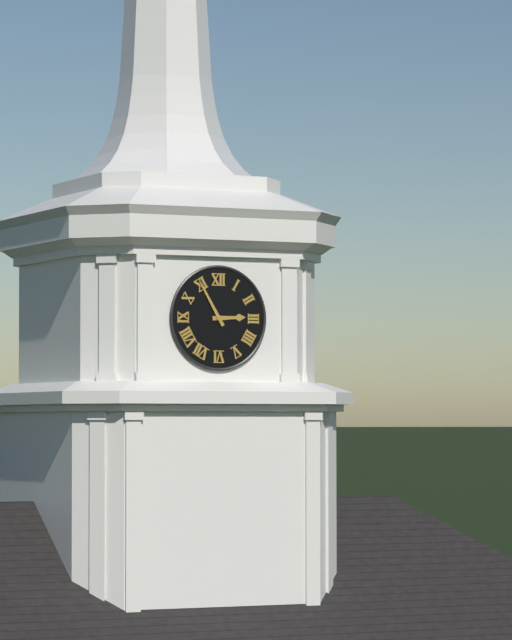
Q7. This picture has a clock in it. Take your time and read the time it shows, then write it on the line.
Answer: 2:55
